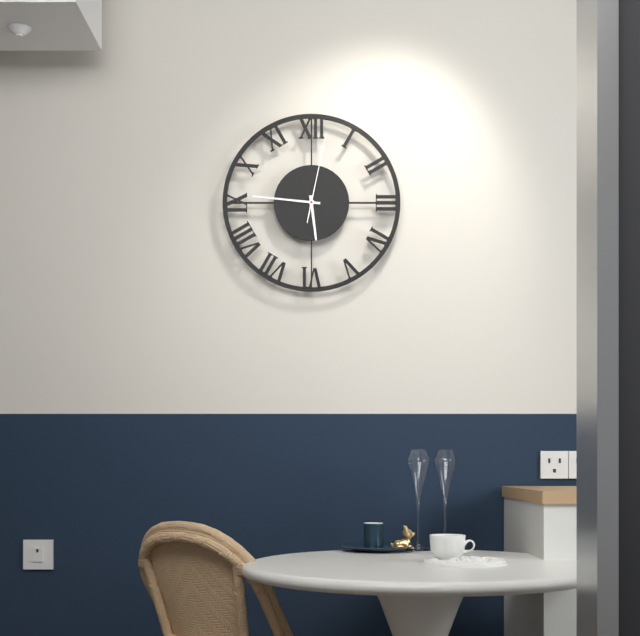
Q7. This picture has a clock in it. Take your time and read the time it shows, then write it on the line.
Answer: 5:46:02
